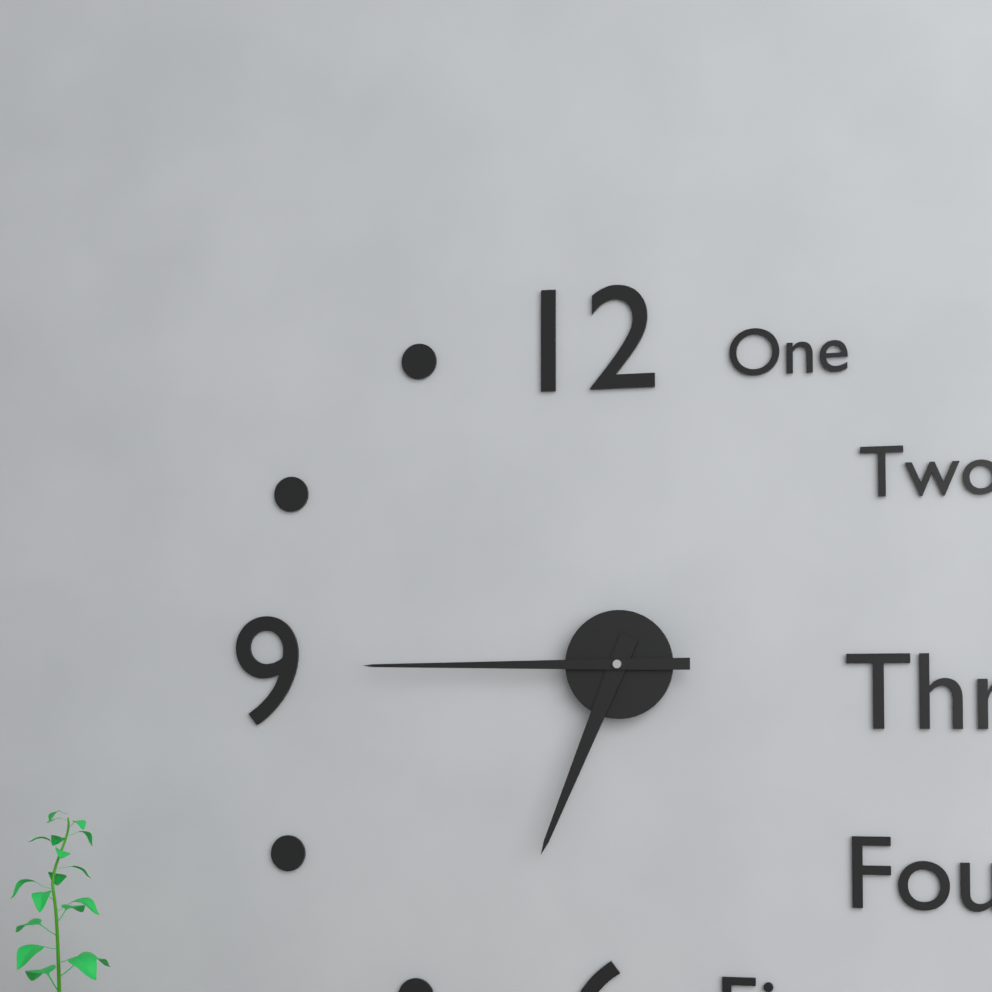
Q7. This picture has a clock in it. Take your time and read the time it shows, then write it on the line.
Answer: 6:45
